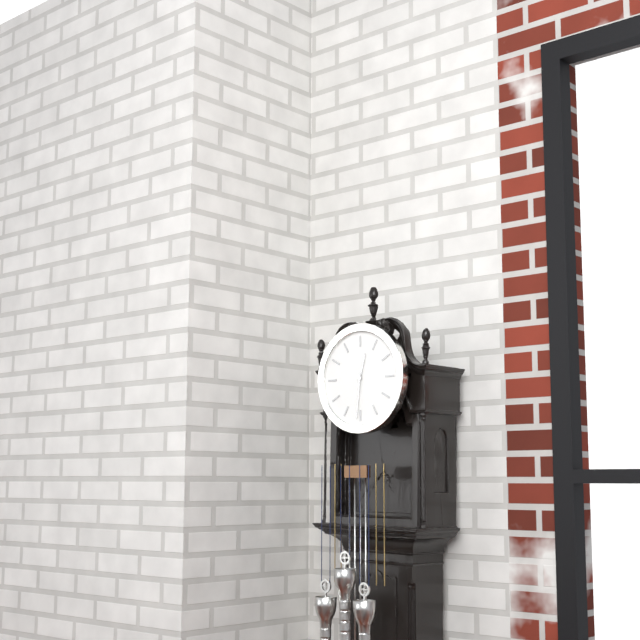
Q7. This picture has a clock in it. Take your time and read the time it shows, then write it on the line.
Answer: 12:31
